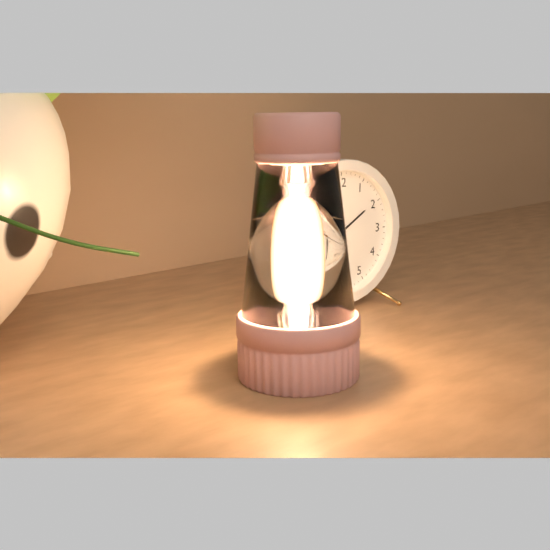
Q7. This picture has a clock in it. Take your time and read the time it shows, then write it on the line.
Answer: 1:56:30
